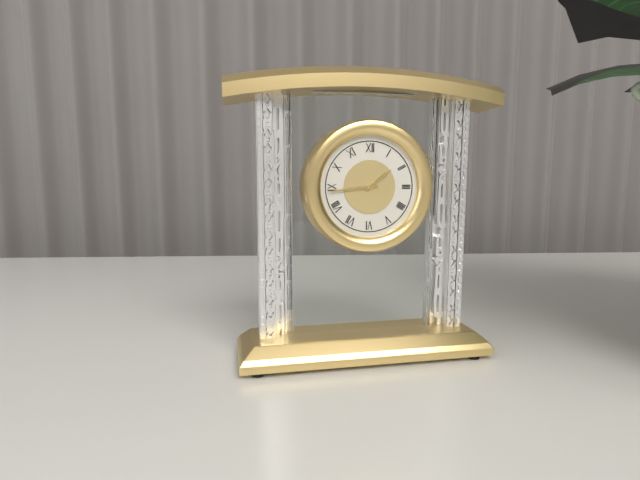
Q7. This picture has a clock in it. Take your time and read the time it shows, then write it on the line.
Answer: 1:44
